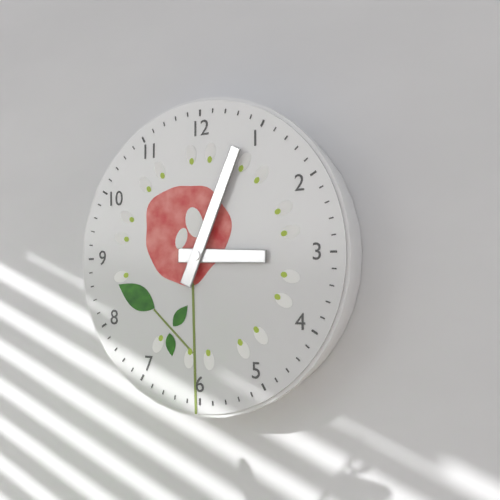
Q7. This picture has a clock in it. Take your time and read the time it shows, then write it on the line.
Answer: 3:04
